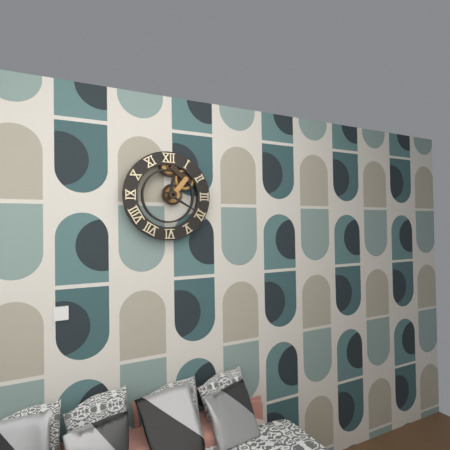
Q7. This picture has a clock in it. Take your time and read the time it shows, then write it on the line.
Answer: 12:20
